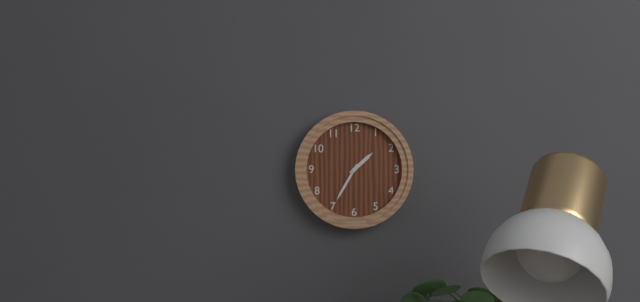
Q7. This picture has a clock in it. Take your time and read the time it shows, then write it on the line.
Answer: 1:35
